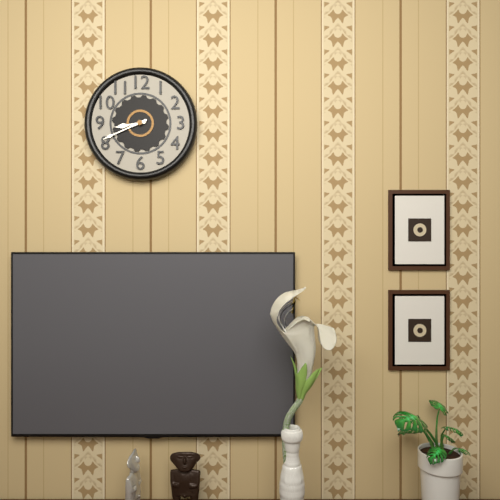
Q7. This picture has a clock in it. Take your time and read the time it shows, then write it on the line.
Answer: 8:41
